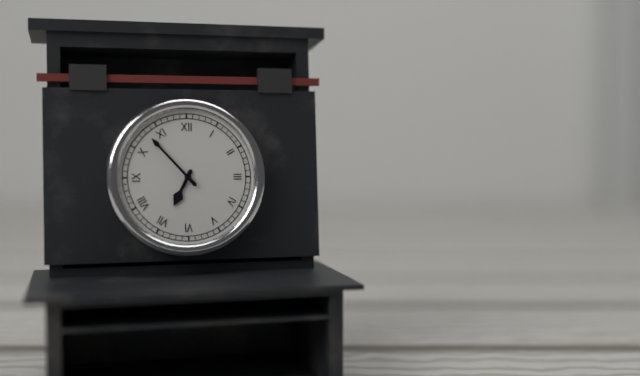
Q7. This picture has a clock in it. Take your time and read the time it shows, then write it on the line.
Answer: 6:53
